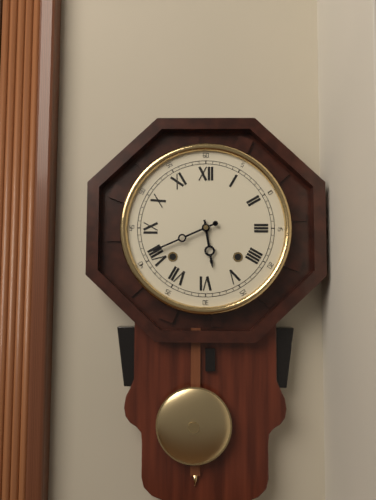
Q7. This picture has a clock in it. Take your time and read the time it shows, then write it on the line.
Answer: 5:41
